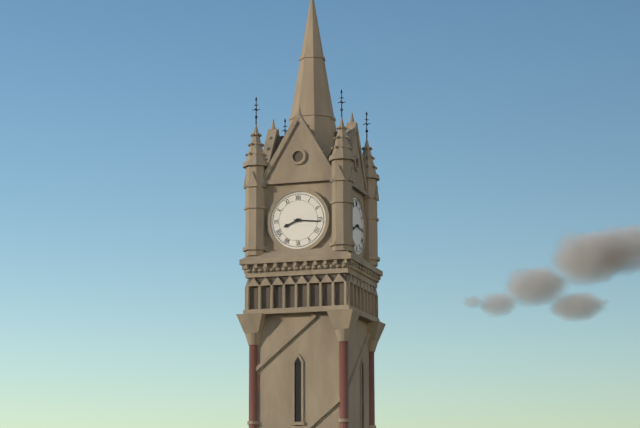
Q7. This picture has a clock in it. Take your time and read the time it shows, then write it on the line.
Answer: 8:16
